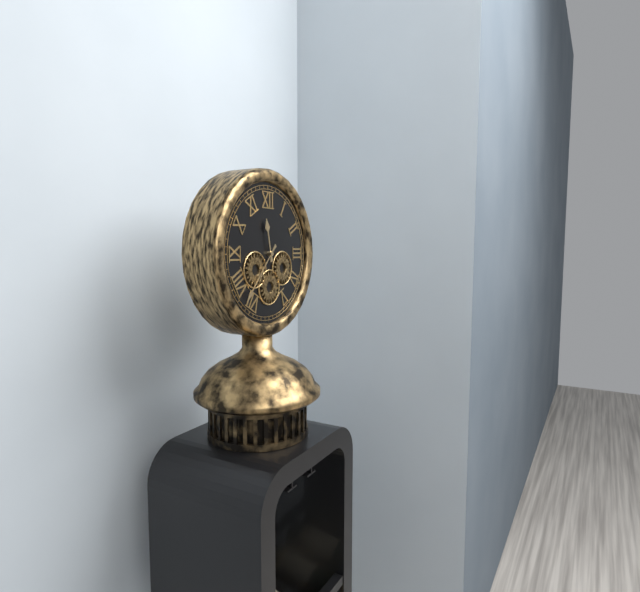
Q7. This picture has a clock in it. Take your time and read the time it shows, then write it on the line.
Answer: 11:37
